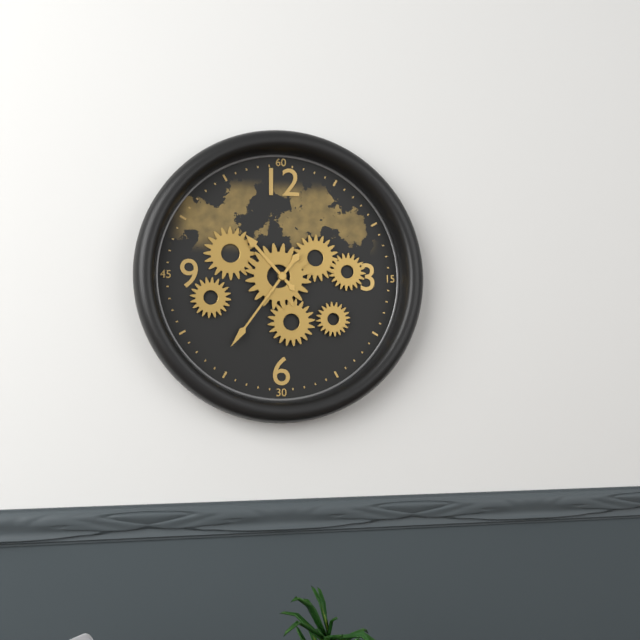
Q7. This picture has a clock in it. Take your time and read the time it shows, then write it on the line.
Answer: 10:36
